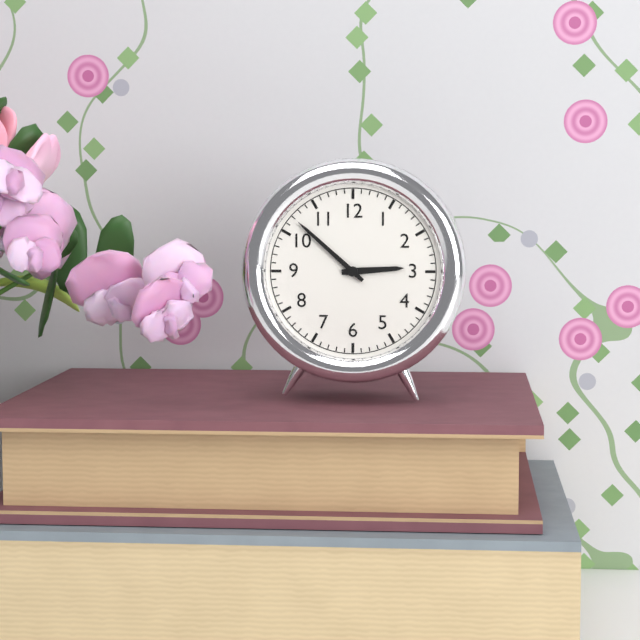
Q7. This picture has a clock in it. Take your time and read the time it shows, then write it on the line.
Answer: 2:52
